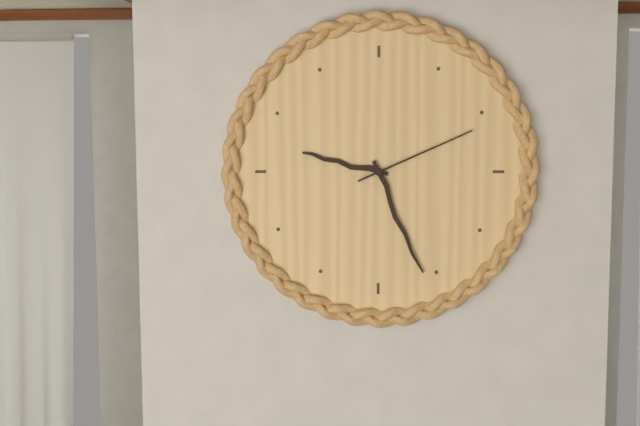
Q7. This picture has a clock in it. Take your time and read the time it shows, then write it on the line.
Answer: 9:26:11
